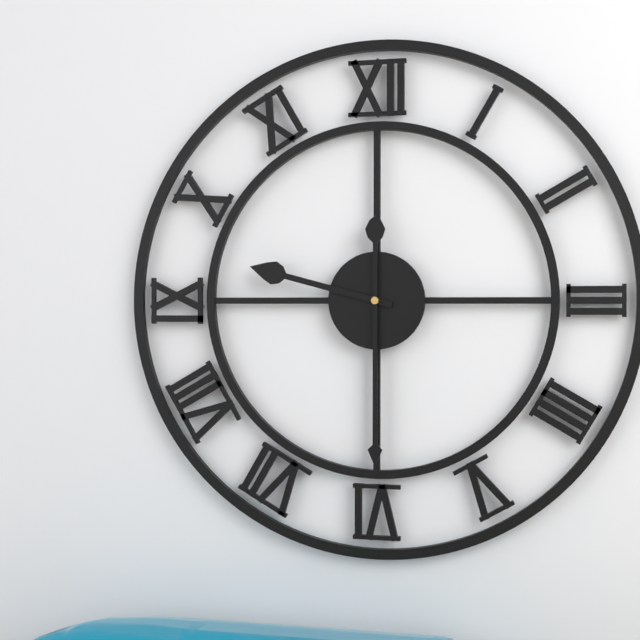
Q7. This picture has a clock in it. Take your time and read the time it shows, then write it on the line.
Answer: 9:30
